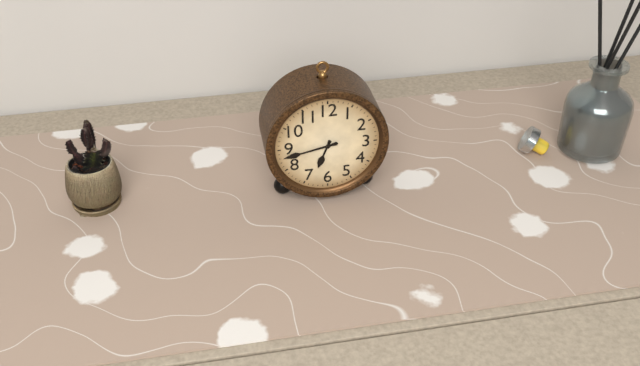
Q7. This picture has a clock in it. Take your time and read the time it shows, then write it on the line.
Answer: 6:43
